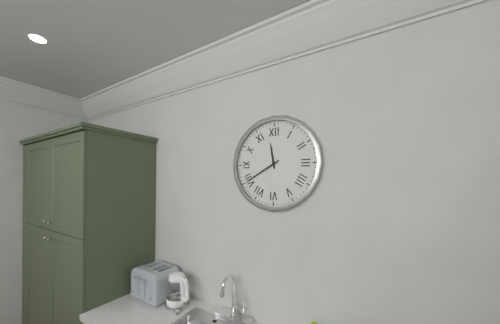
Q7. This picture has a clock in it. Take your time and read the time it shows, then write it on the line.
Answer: 11:40
